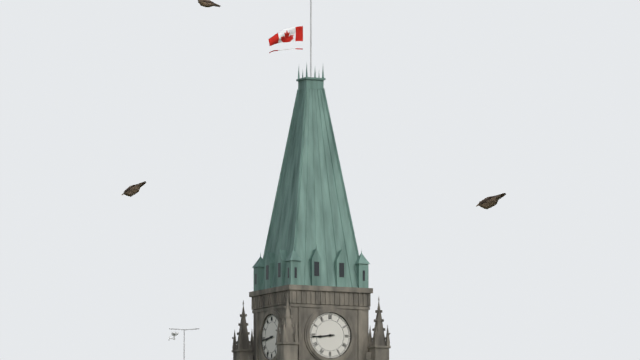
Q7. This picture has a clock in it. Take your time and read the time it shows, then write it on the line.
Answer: 8:44
